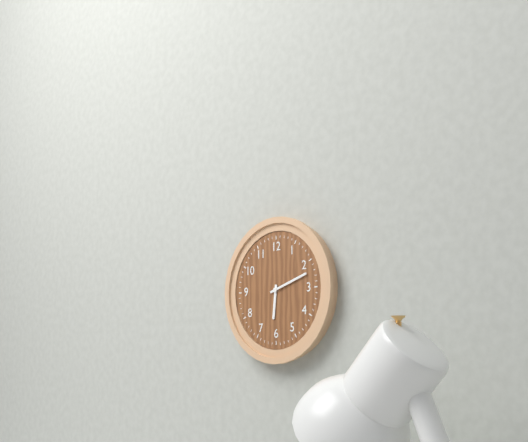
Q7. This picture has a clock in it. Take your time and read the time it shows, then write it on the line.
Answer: 6:12
